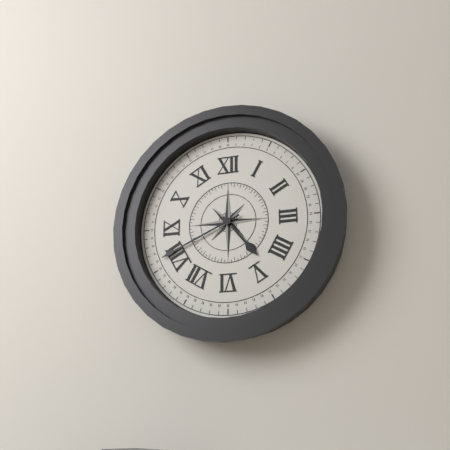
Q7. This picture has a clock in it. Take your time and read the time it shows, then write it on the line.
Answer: 4:41
